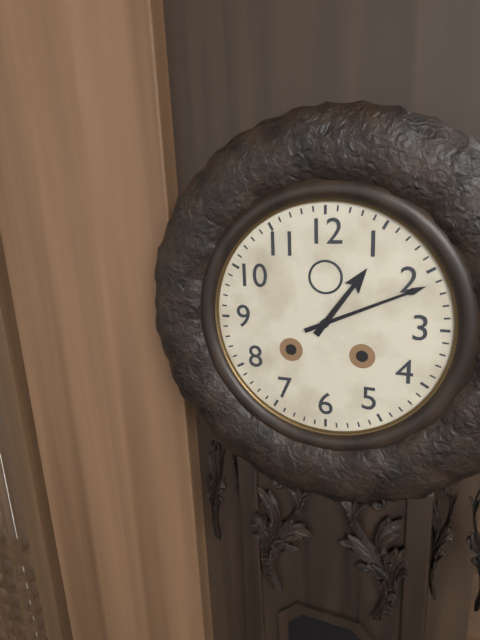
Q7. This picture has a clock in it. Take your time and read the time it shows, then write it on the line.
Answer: 1:11
